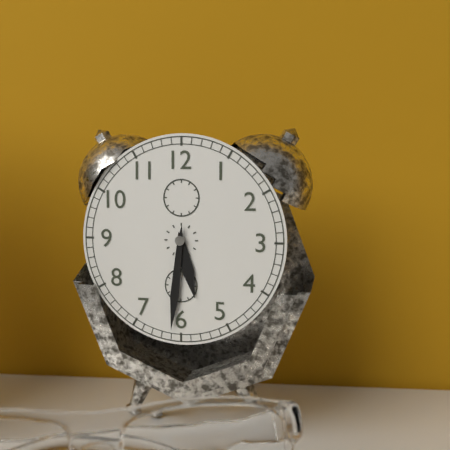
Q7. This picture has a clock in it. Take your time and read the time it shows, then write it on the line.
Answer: 5:31
